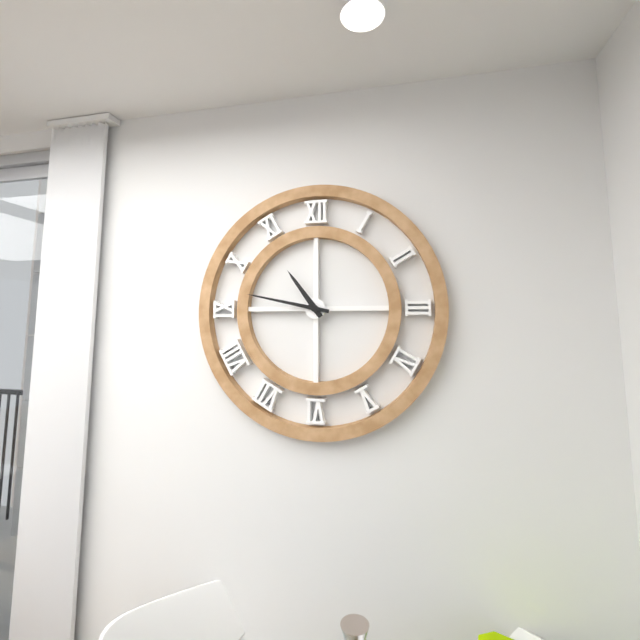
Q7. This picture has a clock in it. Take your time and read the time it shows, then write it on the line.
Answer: 10:47
